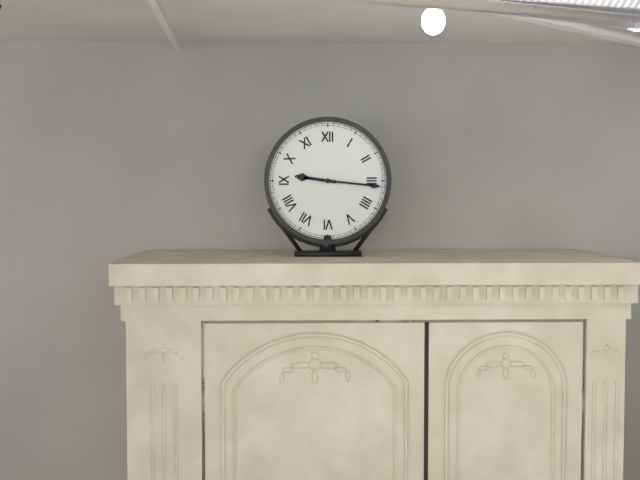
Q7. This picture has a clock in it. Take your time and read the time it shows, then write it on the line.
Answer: 9:16
